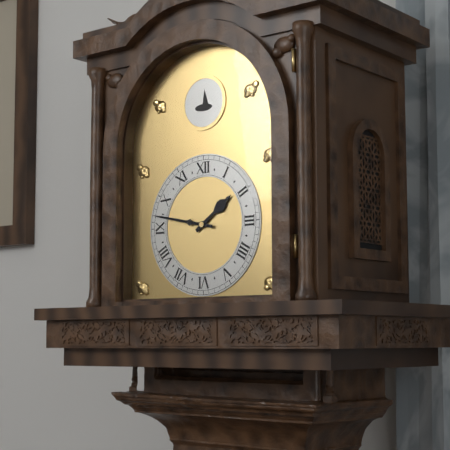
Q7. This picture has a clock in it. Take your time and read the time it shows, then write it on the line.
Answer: 1:47
